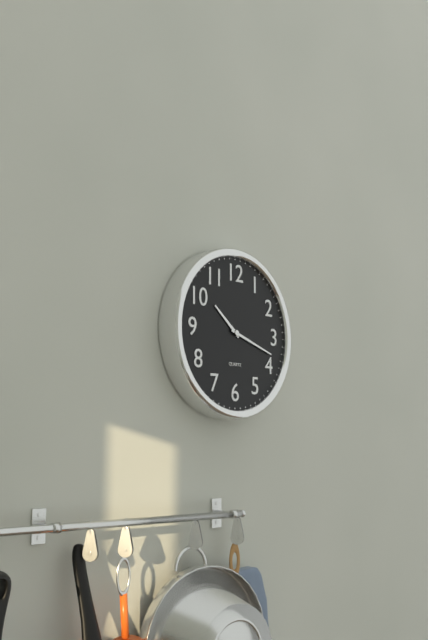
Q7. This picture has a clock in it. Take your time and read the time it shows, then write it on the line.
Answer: 10:18
